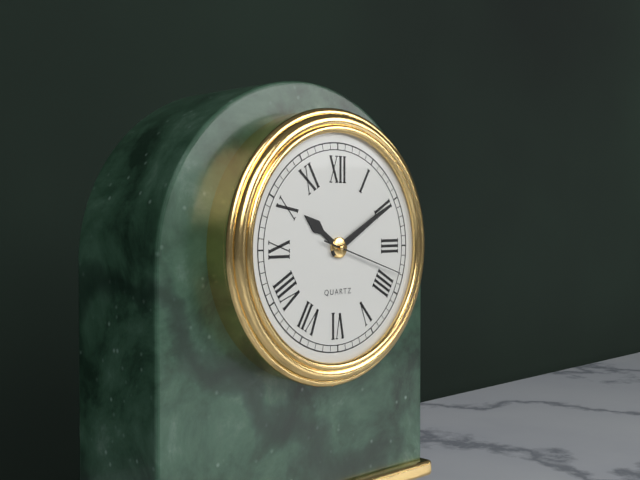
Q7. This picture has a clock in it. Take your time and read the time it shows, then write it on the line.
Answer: 10:10:18
